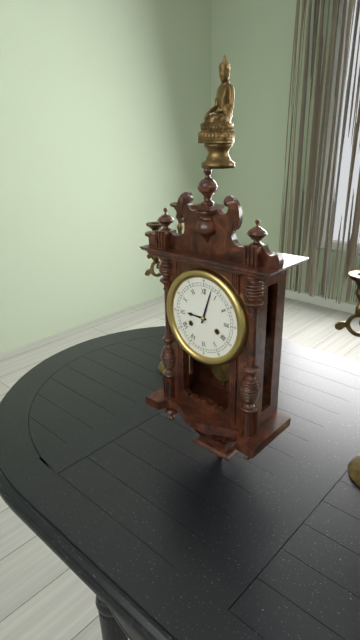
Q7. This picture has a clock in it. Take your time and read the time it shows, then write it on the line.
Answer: 9:03
